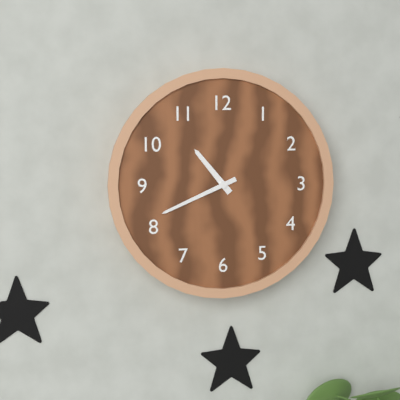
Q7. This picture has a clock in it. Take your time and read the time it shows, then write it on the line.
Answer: 10:41
